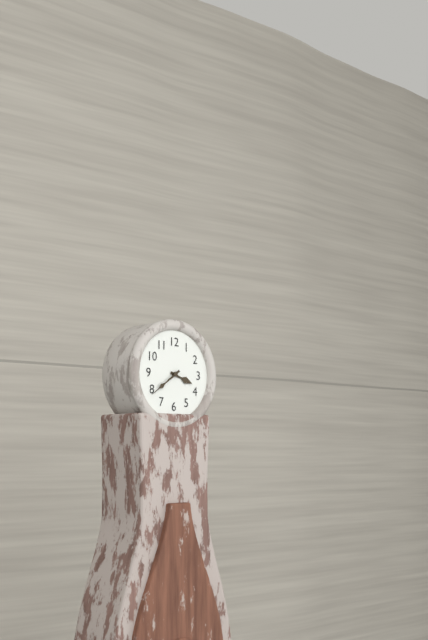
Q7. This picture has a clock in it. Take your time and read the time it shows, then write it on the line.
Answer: 3:39
